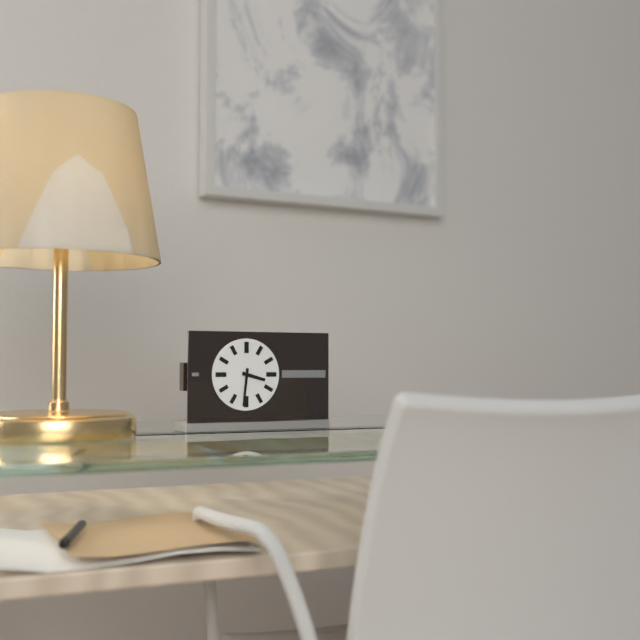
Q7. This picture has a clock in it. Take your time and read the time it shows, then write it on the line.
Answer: 3:31
